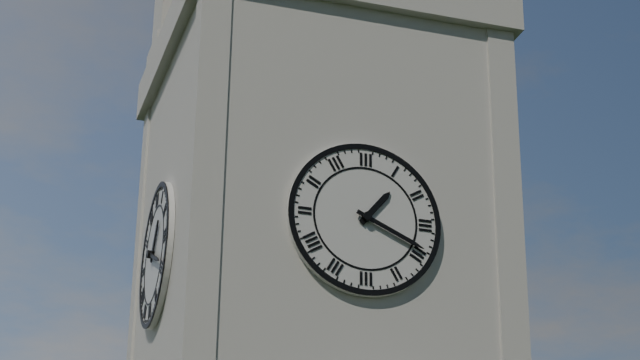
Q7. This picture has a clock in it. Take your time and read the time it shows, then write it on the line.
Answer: 1:19
